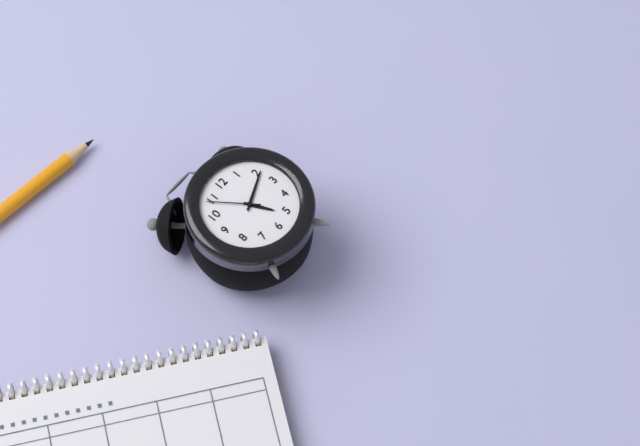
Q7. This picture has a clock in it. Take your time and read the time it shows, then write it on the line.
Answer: 5:11:54
